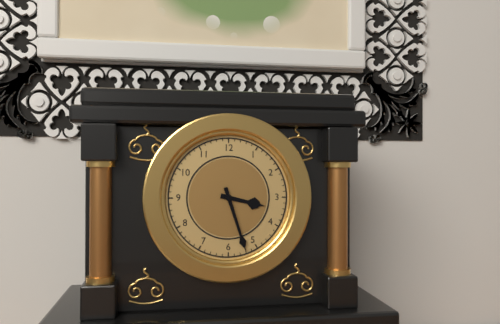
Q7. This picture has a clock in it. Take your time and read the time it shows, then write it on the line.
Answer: 3:27
